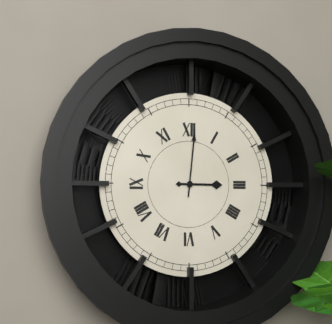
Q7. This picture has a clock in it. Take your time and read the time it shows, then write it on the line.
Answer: 3:01
